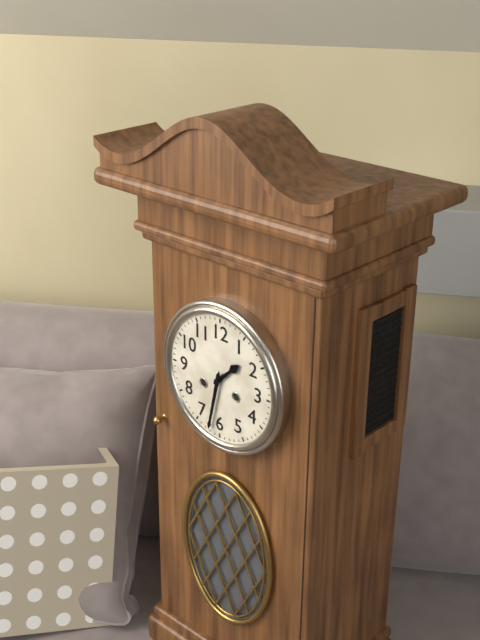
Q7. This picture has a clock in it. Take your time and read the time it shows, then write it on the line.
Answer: 1:32
